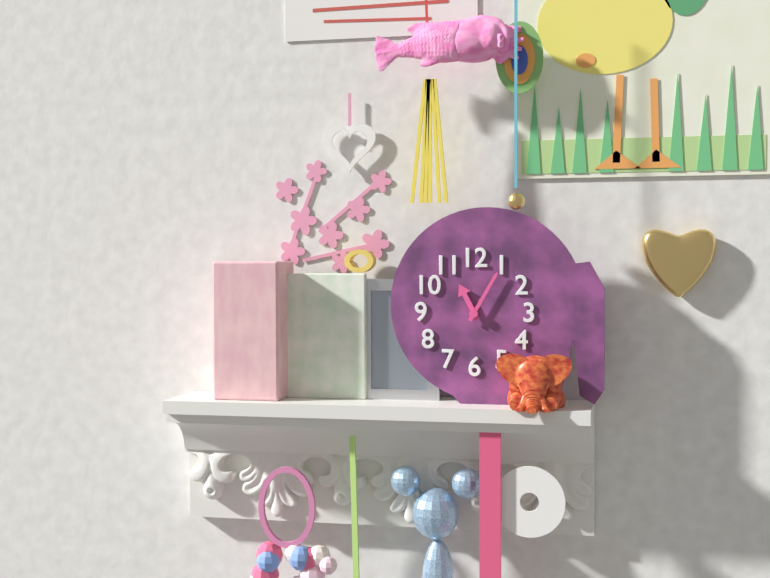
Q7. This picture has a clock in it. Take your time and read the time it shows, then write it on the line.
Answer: 11:05
